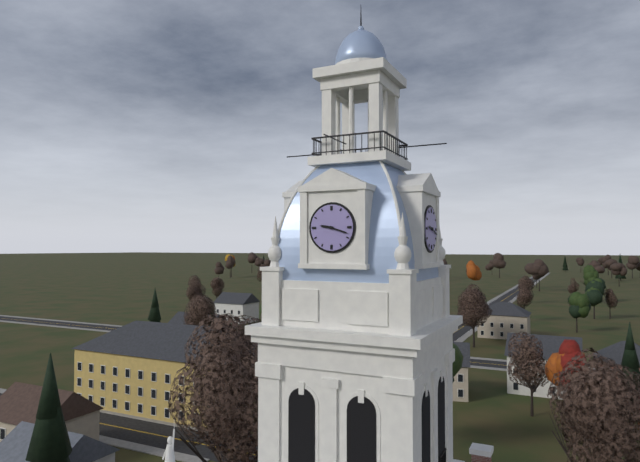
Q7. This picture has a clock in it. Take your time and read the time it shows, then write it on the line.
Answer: 9:18
